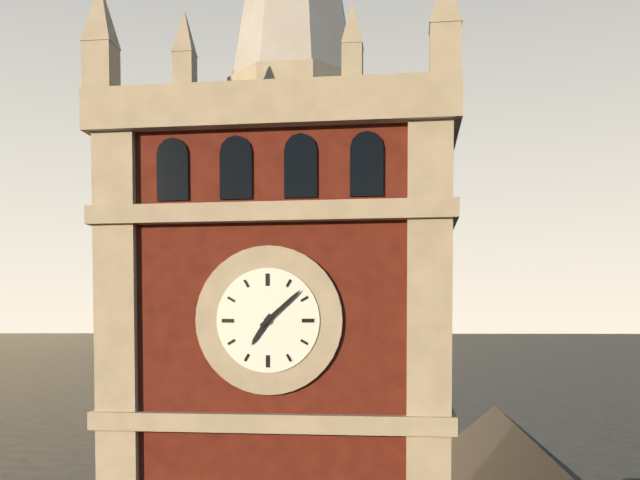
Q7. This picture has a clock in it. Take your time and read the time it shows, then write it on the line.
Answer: 7:08
